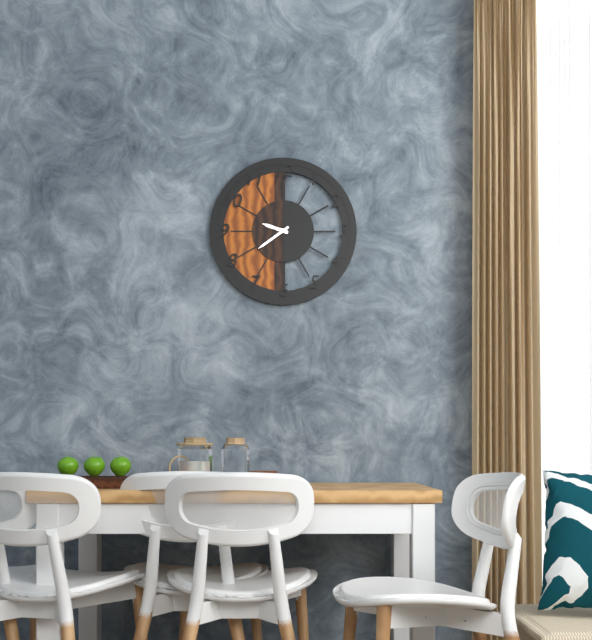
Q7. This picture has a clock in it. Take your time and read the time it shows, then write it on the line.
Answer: 9:39
